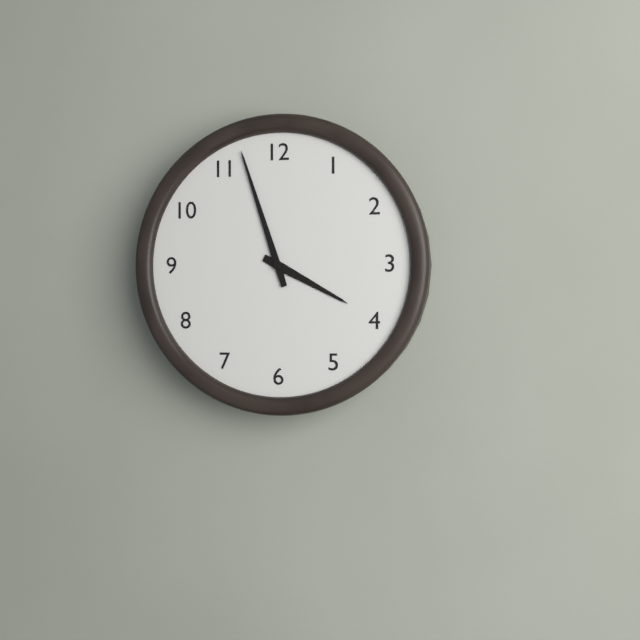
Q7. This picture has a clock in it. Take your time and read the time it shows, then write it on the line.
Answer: 3:57
